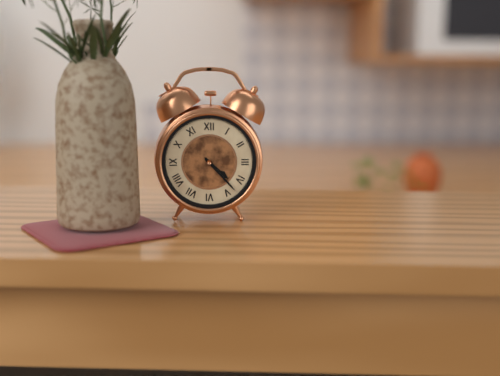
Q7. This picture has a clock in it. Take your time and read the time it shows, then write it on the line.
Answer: 4:23
